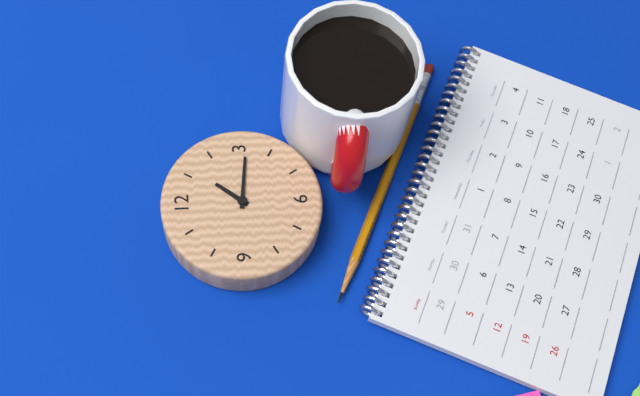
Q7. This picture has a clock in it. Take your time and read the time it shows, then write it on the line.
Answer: 1:16
